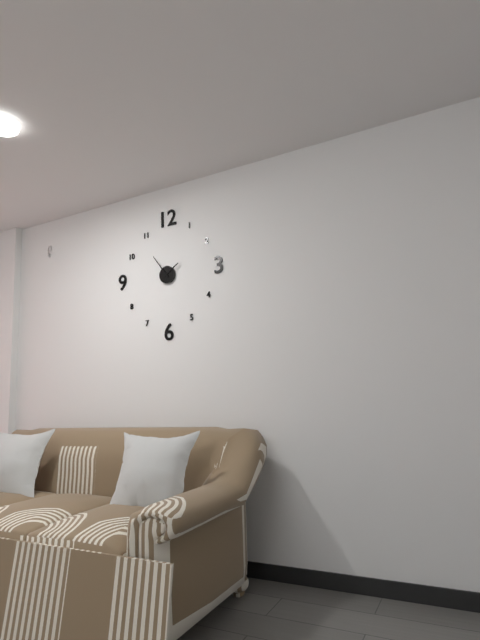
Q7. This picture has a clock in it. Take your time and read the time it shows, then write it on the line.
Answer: 1:54
